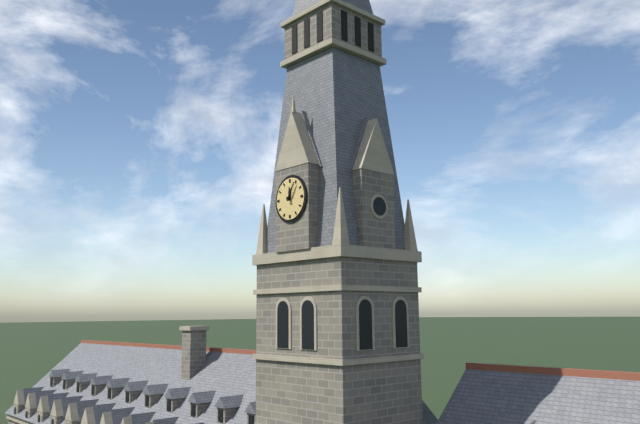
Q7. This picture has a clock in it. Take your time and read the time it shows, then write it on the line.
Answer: 12:05
